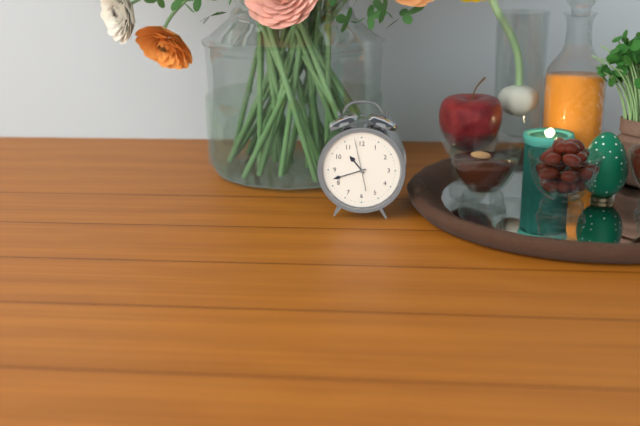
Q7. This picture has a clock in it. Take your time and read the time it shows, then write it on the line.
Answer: 10:42
